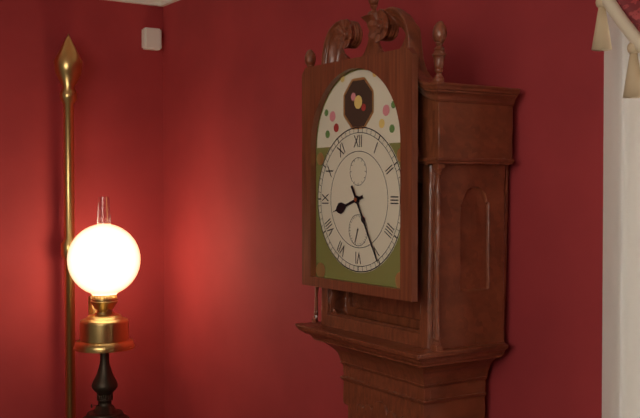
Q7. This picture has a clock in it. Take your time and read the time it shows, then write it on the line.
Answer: 8:25
